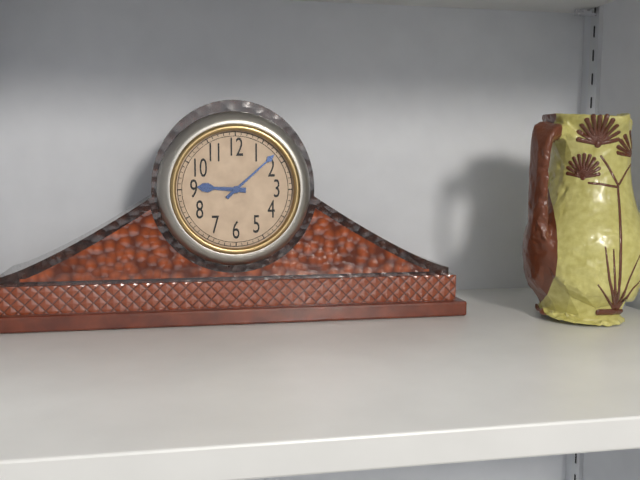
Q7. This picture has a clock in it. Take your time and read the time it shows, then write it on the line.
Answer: 9:08
